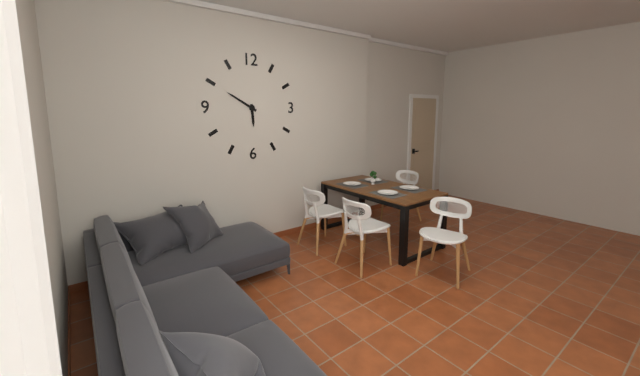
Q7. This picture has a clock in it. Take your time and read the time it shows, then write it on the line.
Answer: 5:50
